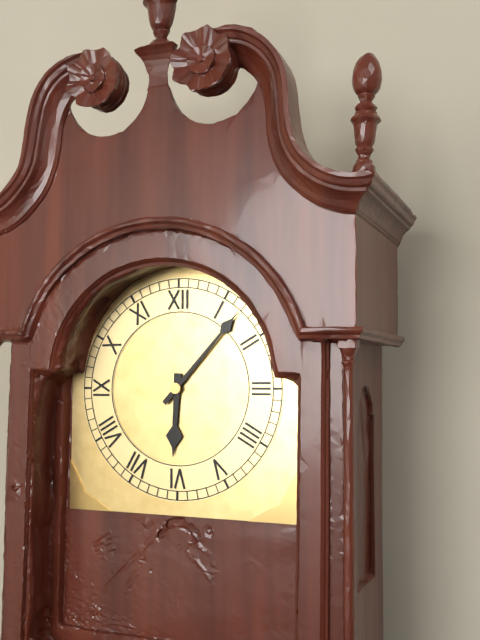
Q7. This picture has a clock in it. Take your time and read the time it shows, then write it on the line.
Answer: 6:07
